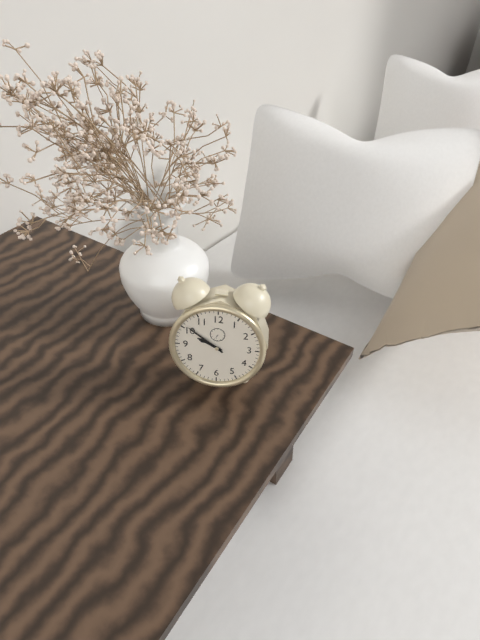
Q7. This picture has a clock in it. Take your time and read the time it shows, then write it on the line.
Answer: 9:51
